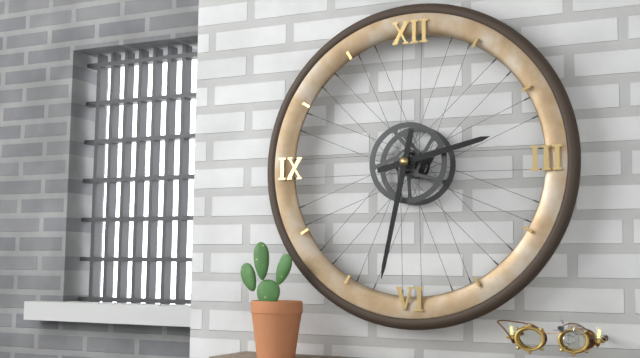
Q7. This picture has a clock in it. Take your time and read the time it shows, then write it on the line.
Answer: 2:32
